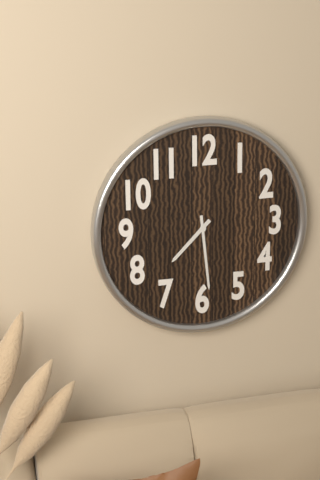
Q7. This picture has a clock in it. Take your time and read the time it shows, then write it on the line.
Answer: 7:29
